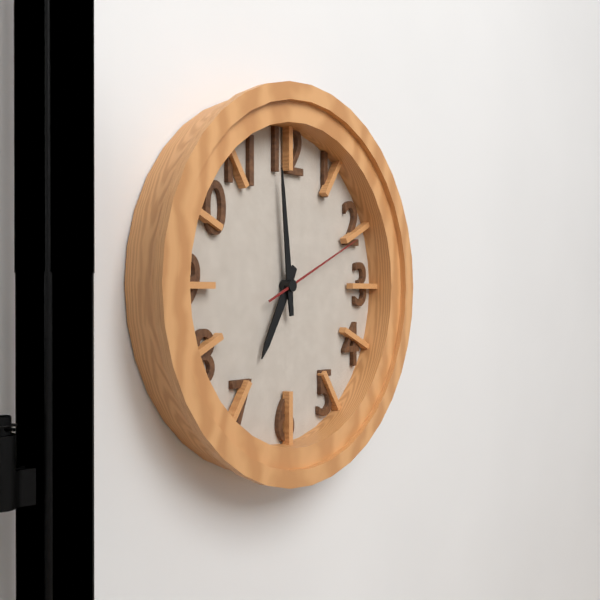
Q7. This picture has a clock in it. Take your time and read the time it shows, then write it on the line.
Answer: 6:59:11
